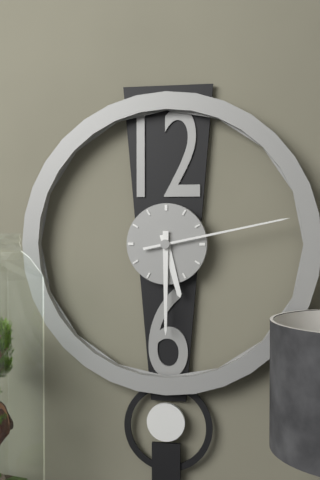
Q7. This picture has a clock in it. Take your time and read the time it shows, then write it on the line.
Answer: 5:30:13
